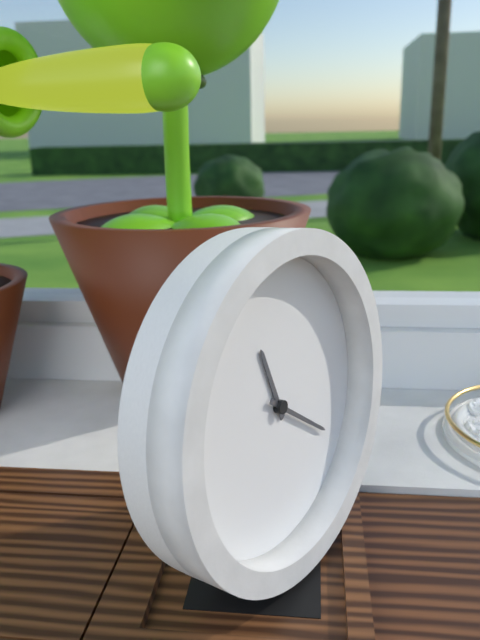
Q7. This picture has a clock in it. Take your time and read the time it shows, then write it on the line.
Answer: 11:21
